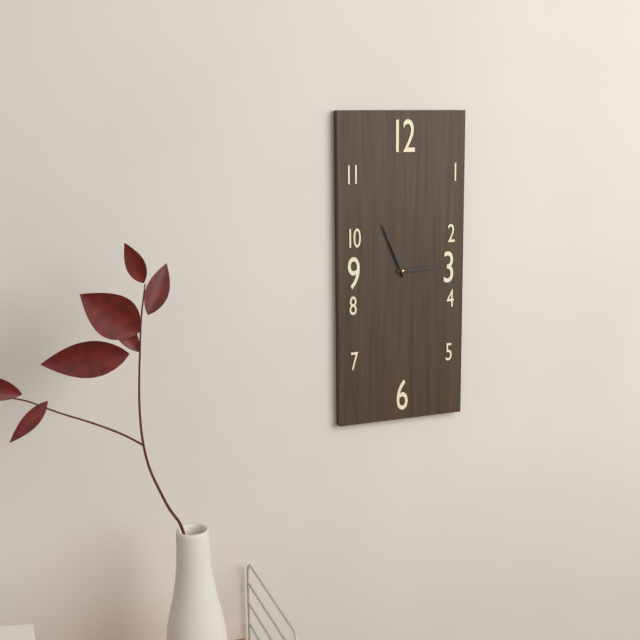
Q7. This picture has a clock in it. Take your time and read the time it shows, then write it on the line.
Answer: 2:56
